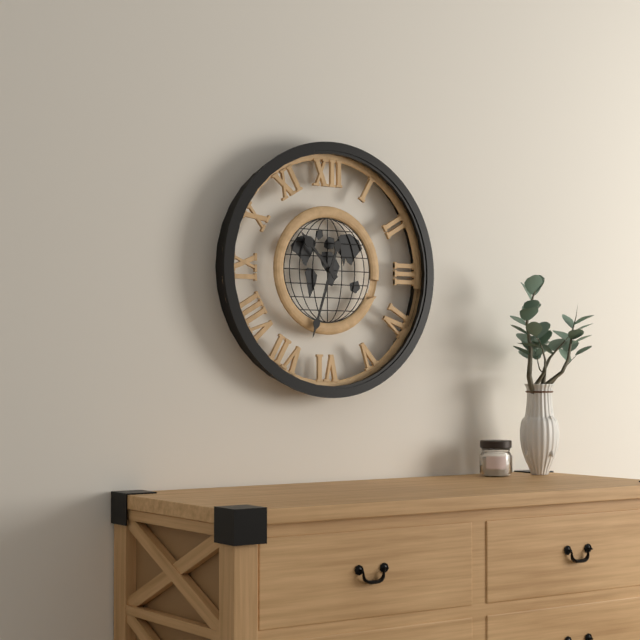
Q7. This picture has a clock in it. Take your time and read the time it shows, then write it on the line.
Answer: 10:33
